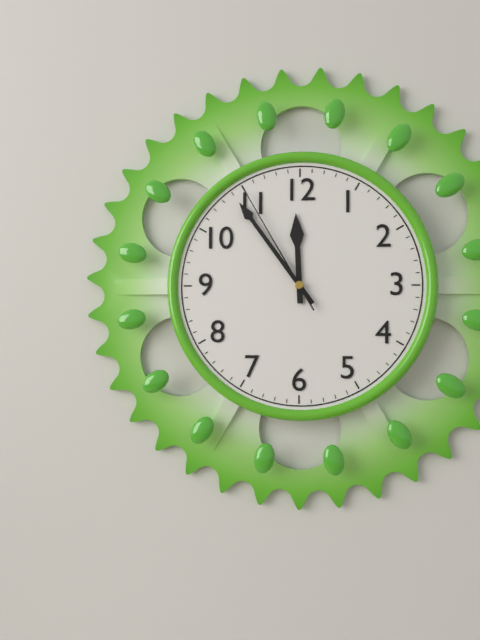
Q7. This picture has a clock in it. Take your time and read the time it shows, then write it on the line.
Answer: 11:54:55
